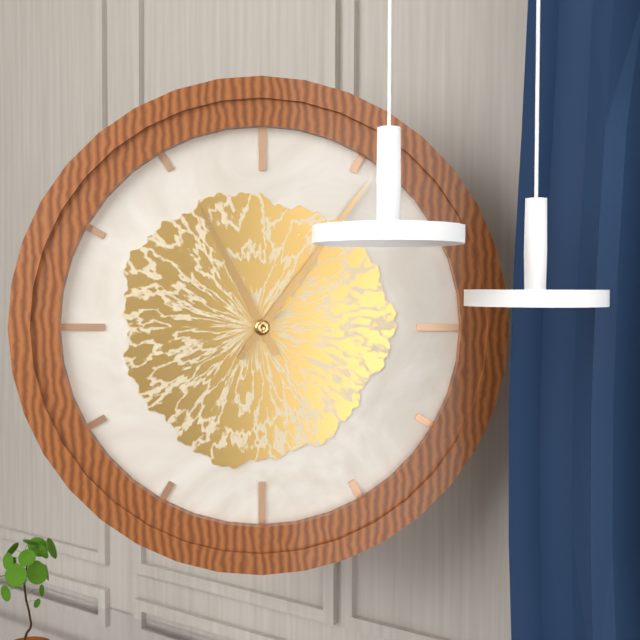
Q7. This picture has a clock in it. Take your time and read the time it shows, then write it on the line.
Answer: 11:06
